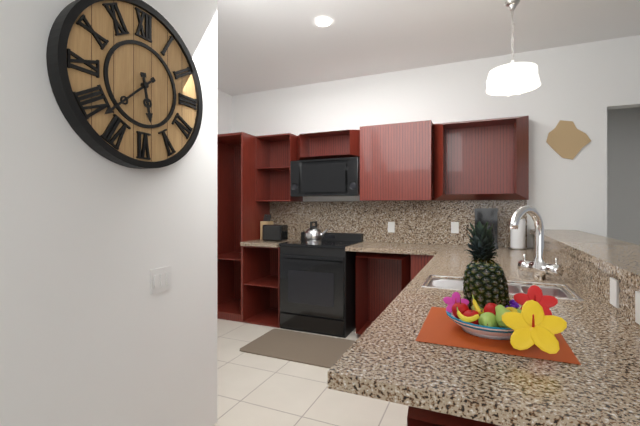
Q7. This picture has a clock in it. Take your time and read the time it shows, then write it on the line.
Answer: 5:38
